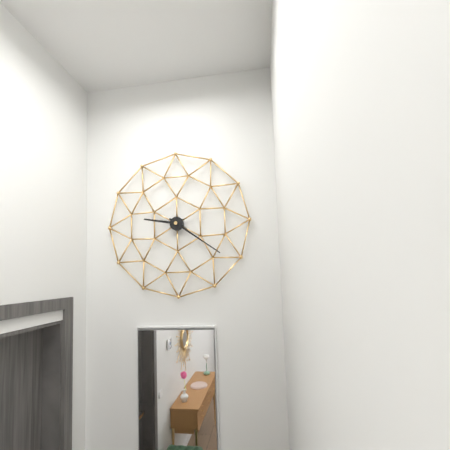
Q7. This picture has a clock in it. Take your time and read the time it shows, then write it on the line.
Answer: 9:21
